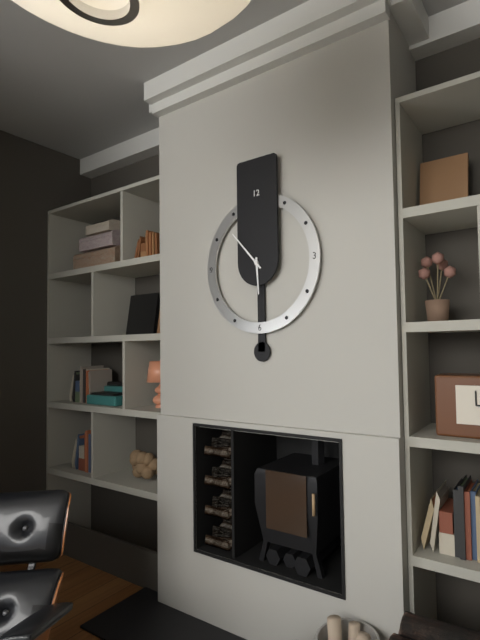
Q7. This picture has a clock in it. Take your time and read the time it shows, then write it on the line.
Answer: 5:53
